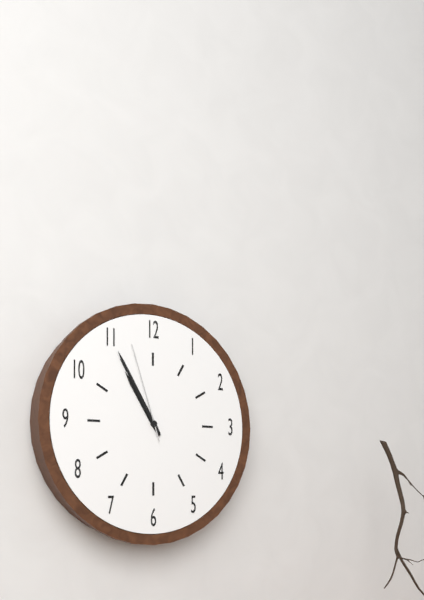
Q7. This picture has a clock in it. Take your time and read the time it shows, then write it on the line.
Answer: 10:55:57
